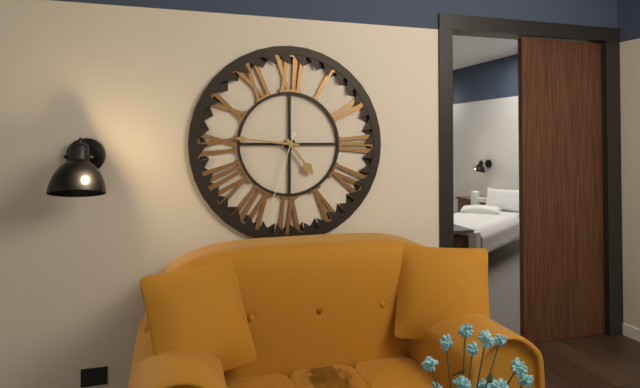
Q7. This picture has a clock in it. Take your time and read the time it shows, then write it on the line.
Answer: 4:46:33
